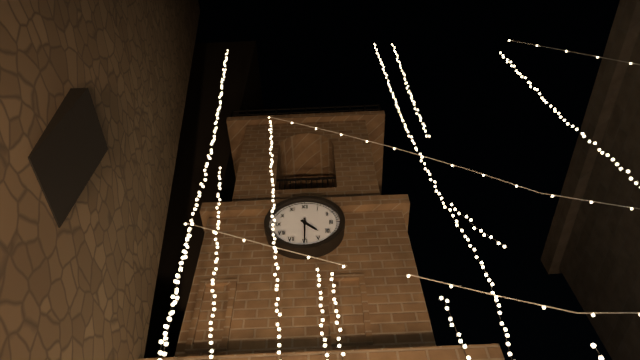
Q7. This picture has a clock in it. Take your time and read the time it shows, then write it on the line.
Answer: 4:30
